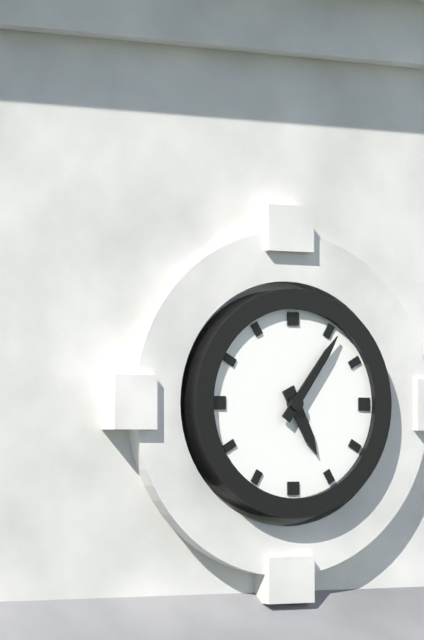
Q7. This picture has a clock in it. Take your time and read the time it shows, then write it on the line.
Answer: 5:06
